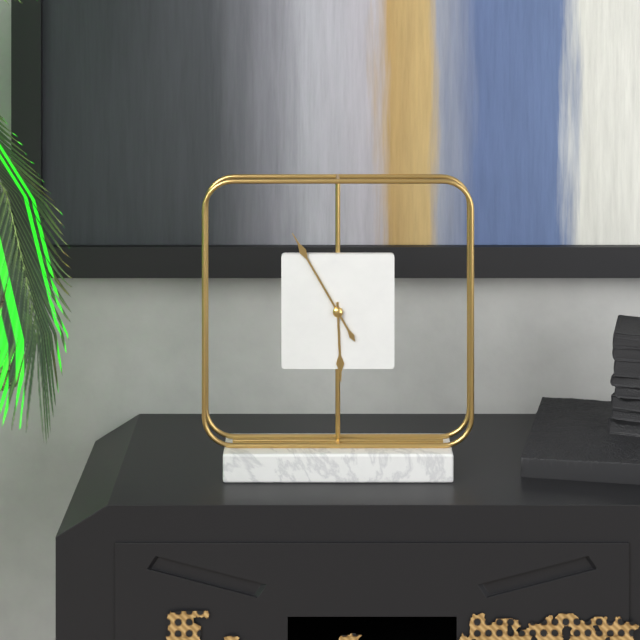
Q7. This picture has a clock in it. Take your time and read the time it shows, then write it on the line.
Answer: 5:55
